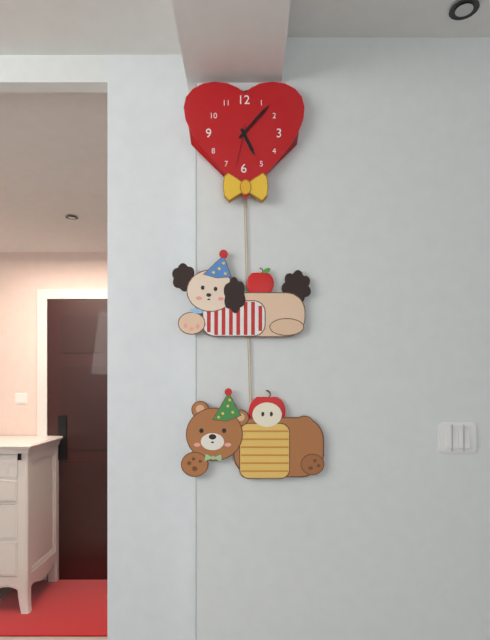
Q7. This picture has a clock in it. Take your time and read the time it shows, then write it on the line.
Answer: 5:07
